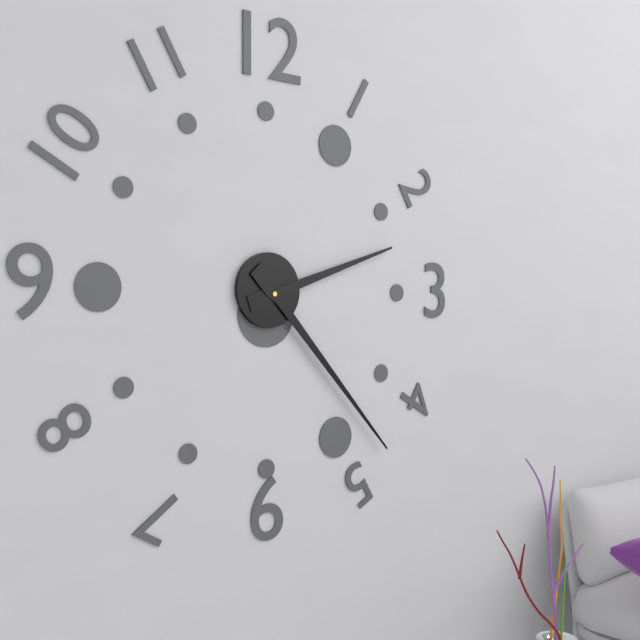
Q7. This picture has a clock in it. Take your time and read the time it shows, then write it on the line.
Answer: 2:23
